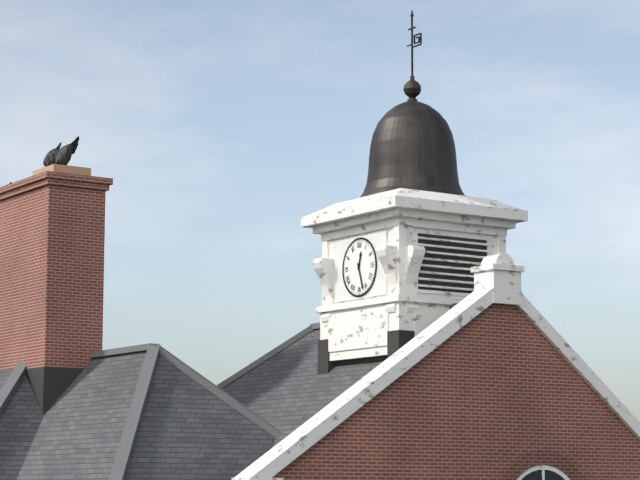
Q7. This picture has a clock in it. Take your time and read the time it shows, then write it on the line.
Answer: 12:27
